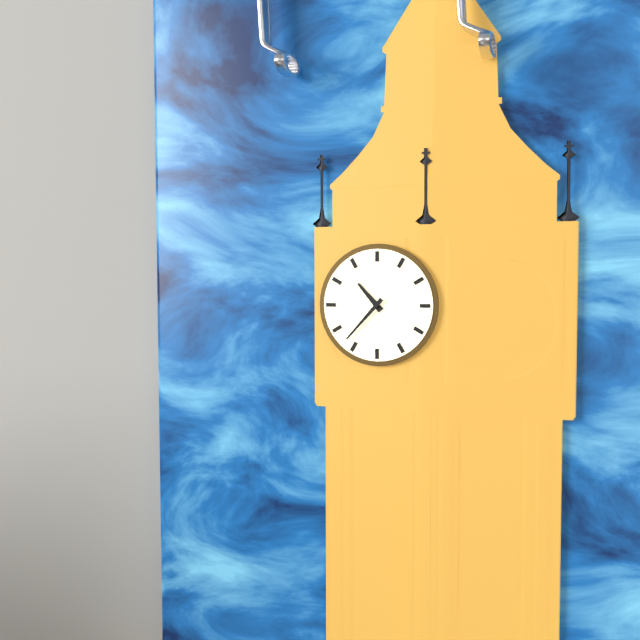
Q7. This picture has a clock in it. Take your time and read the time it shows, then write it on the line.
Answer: 10:37
